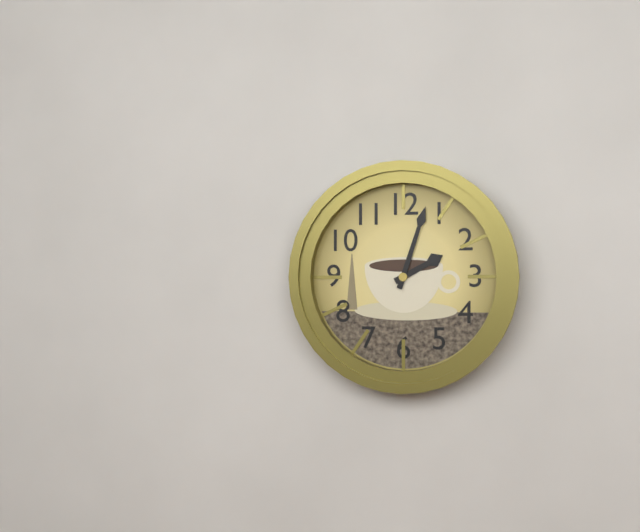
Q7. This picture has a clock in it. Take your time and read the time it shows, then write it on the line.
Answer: 2:03
